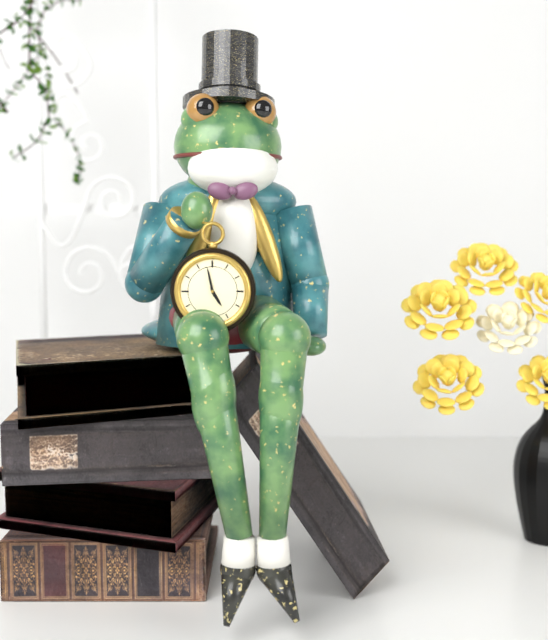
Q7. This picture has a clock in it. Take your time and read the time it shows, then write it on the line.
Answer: 4:58
